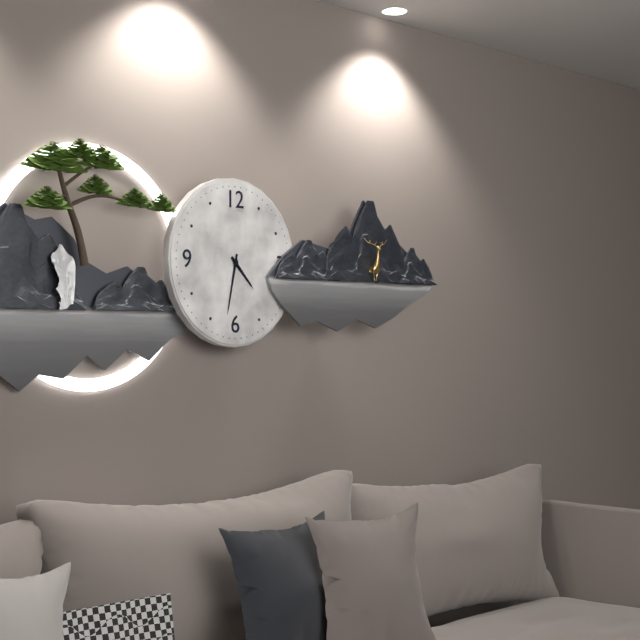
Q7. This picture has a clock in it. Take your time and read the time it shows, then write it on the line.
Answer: 4:32
